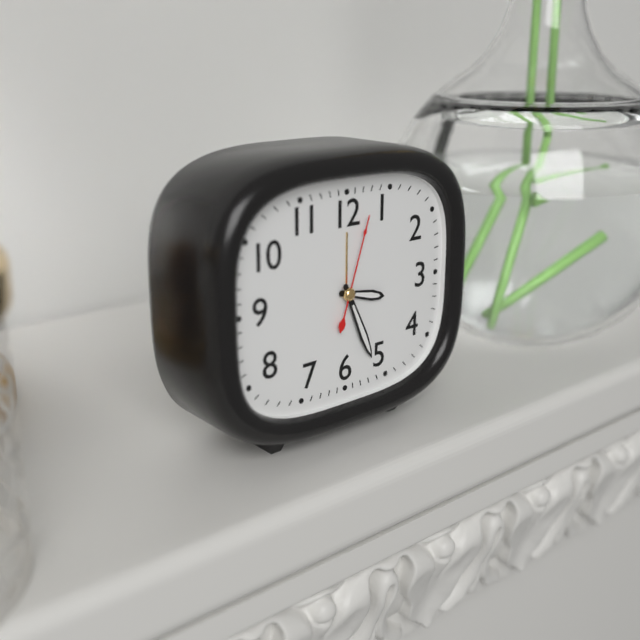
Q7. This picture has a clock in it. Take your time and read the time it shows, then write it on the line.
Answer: 3:26:03
